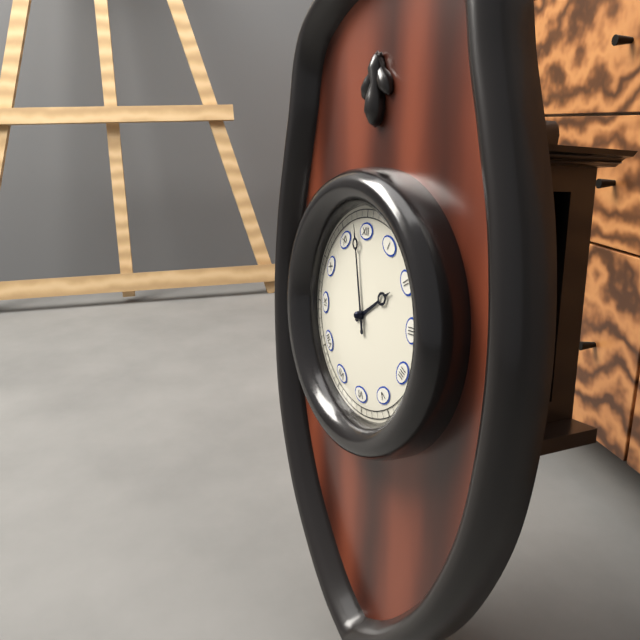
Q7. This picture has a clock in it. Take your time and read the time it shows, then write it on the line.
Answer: 1:58
